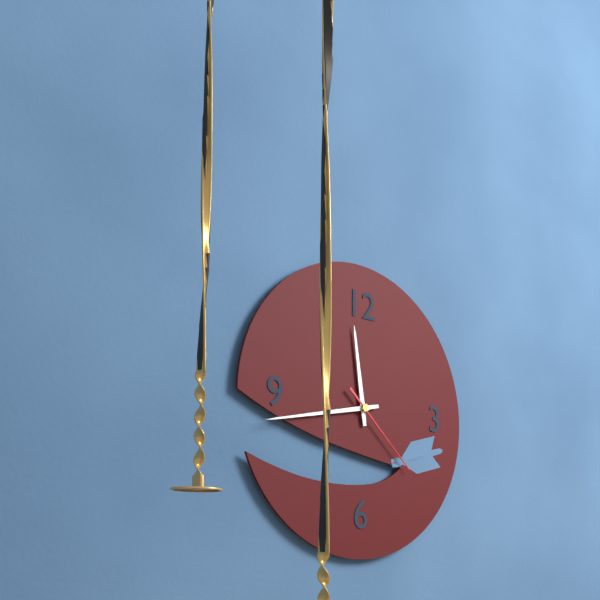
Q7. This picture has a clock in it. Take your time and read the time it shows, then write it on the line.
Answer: 11:43:22
